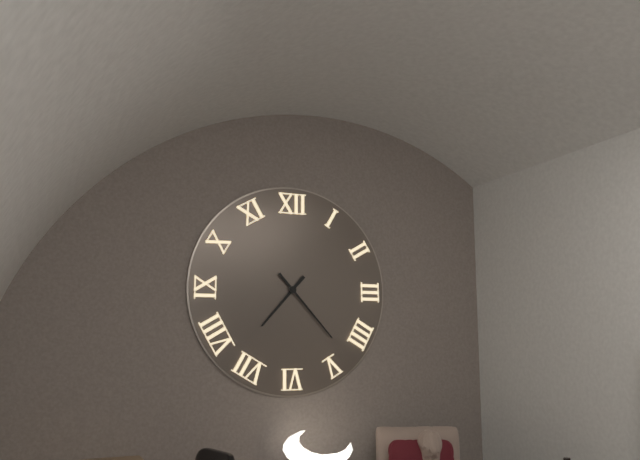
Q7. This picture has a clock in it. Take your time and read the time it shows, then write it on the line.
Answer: 7:23
